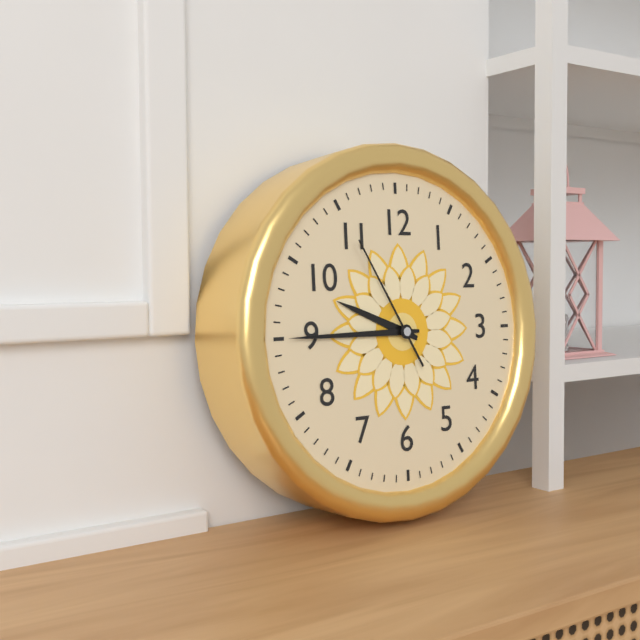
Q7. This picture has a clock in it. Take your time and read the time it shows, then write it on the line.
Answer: 9:45:55
